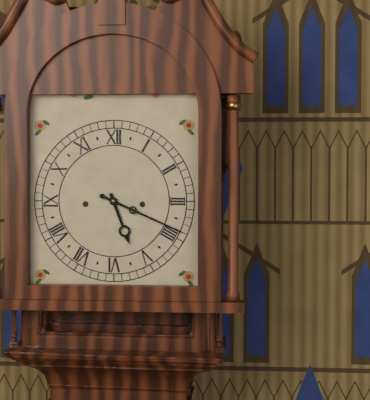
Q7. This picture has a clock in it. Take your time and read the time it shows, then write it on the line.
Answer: 5:19
